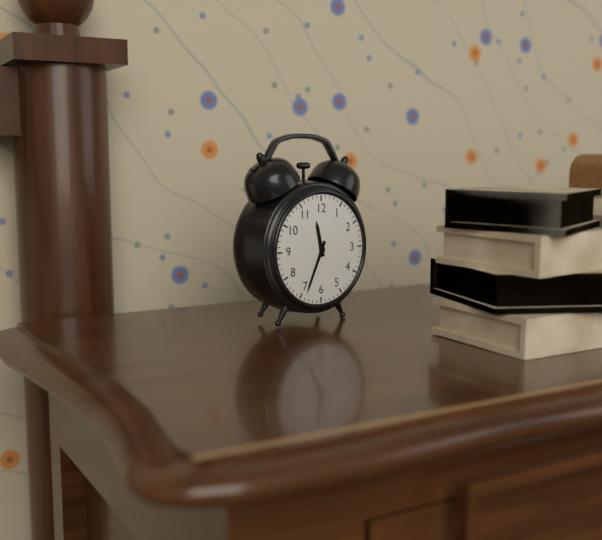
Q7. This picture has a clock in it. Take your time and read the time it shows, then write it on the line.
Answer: 11:34
